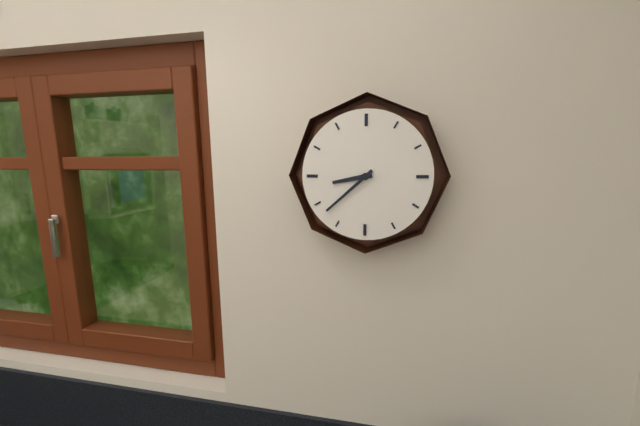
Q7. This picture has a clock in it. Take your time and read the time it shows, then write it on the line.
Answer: 8:38
